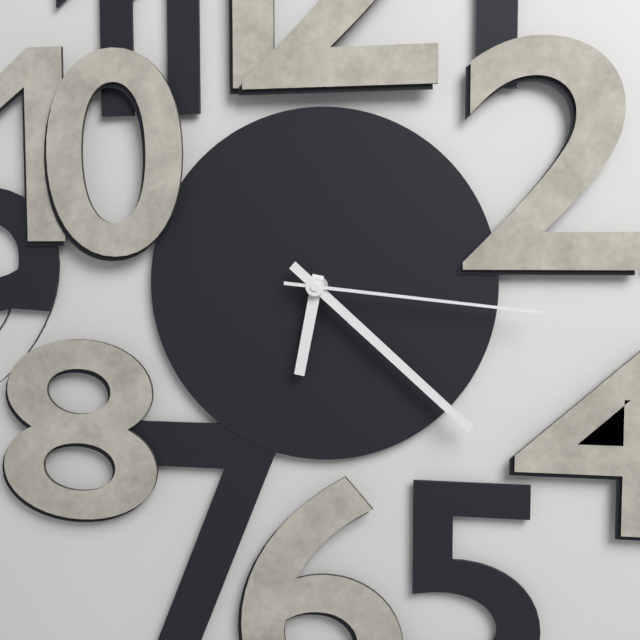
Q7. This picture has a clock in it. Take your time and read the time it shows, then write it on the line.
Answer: 6:22:16
